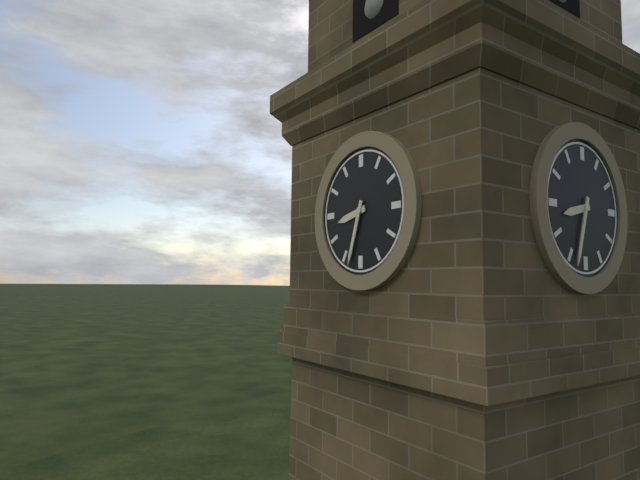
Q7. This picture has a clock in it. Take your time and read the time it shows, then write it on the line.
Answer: 8:33
